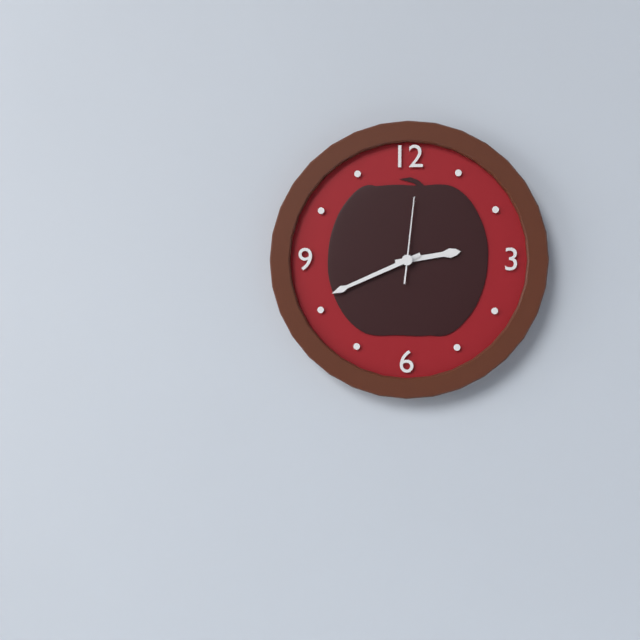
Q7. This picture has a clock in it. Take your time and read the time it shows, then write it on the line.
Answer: 2:41:01
